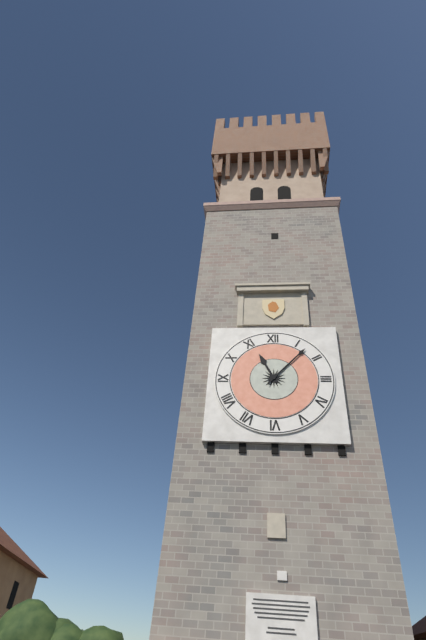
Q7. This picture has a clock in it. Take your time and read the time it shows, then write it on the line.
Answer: 11:07
